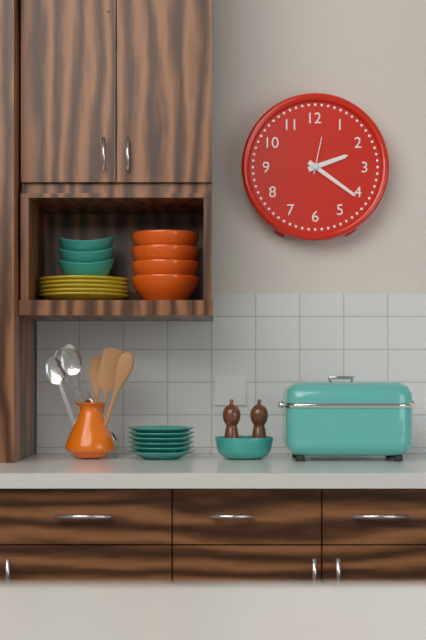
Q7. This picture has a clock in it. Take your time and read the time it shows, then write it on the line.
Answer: 2:21
